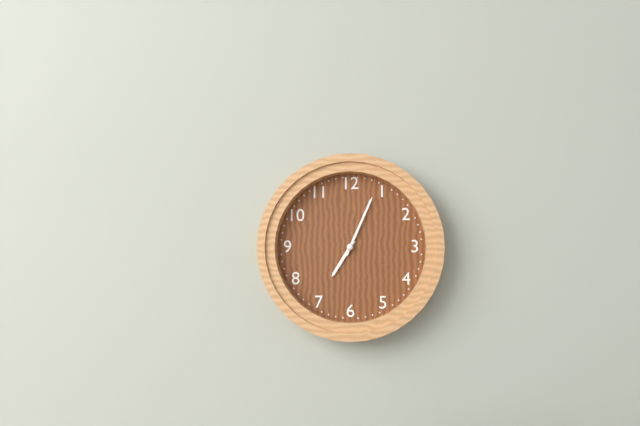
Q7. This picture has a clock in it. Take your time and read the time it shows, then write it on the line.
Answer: 7:04
